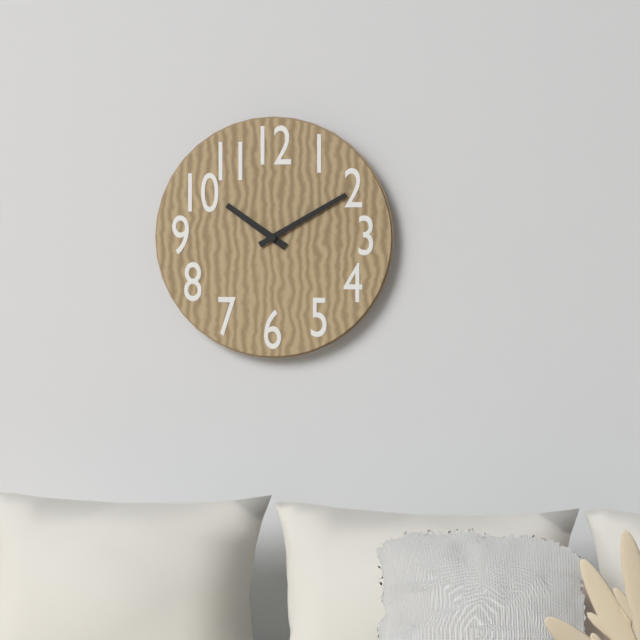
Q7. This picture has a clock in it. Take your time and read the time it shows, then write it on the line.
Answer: 10:10
